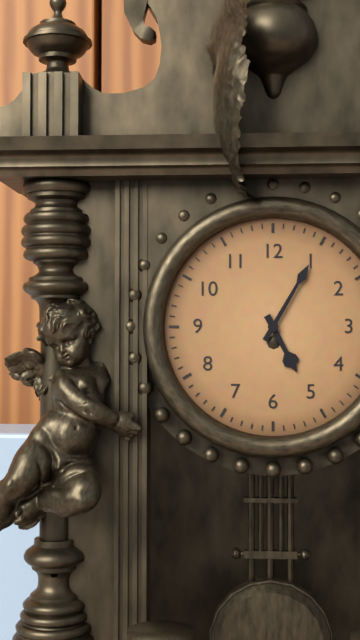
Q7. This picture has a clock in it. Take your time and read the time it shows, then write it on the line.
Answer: 5:05
